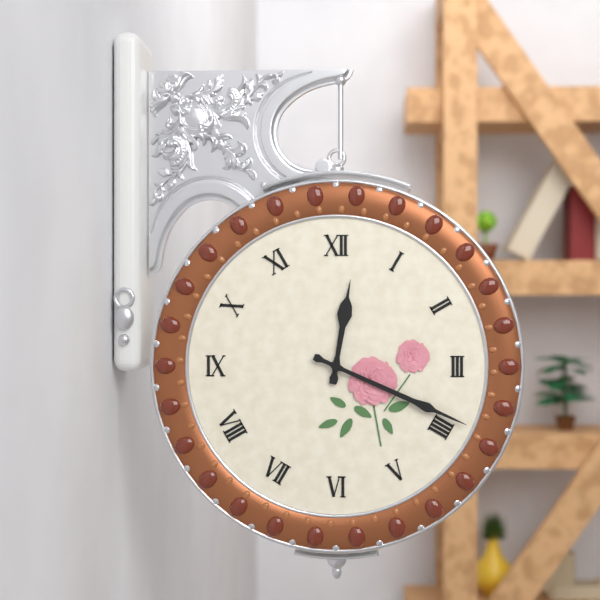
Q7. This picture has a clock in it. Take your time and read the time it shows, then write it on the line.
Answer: 12:19
